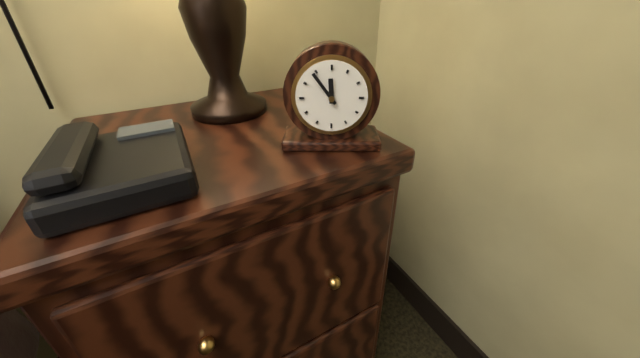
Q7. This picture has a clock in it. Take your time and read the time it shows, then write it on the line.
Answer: 11:54
